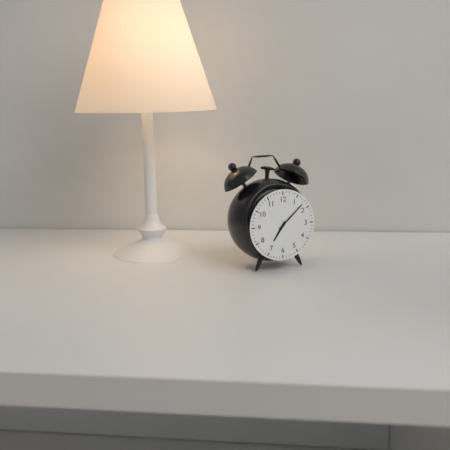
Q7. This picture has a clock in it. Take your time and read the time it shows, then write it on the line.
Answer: 7:08
